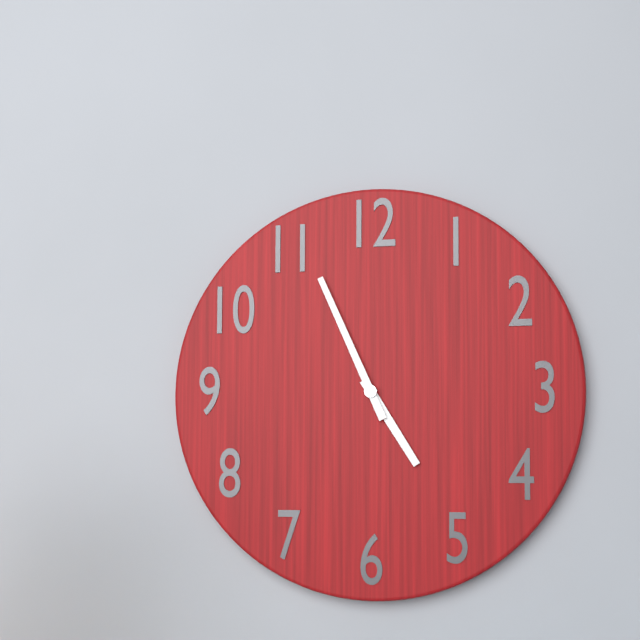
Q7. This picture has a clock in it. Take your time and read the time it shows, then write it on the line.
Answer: 4:56
